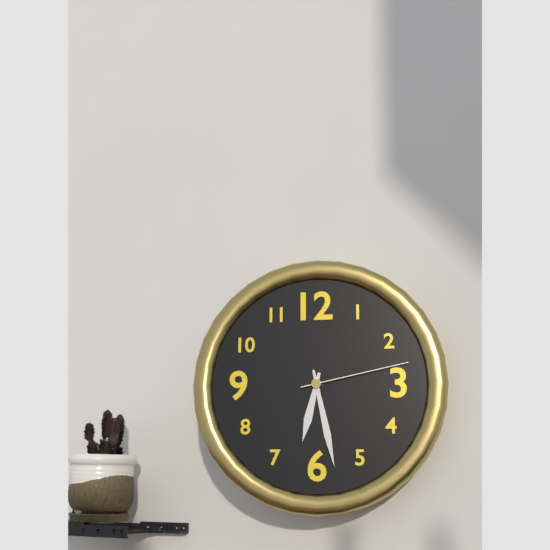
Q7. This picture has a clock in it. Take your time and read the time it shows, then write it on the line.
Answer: 6:28:13
